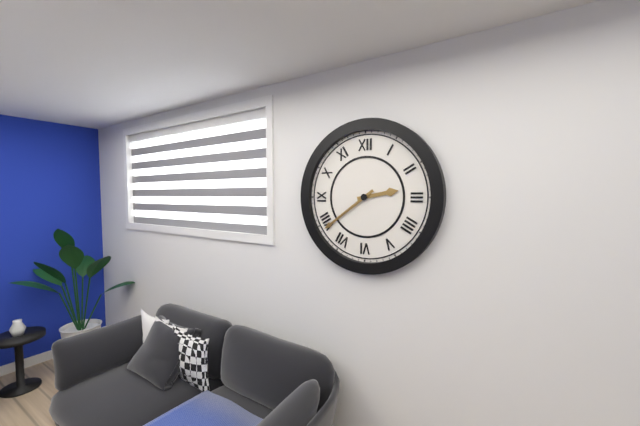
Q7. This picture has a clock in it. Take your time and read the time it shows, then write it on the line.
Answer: 2:39
